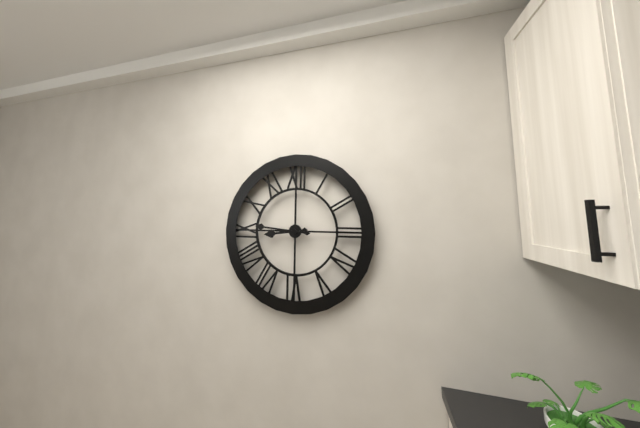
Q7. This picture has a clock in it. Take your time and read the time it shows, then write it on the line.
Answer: 8:46
